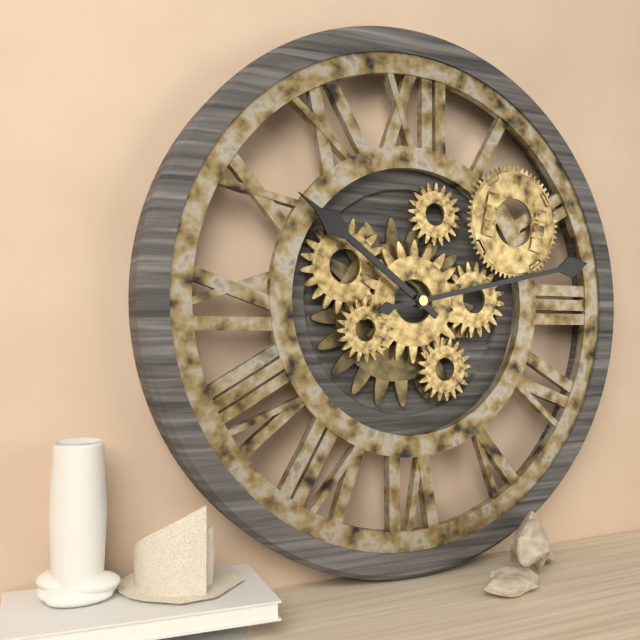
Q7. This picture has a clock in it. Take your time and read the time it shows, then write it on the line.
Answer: 10:13
